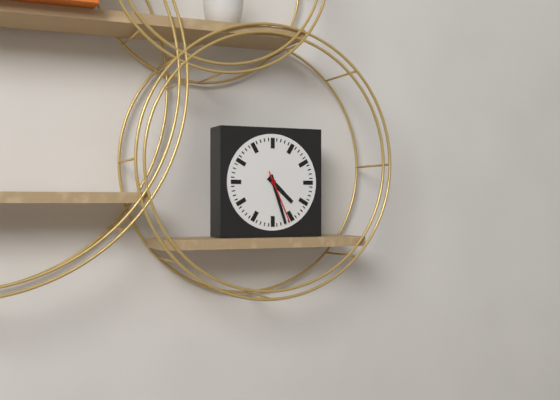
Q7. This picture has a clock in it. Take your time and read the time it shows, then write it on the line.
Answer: 4:27:26
